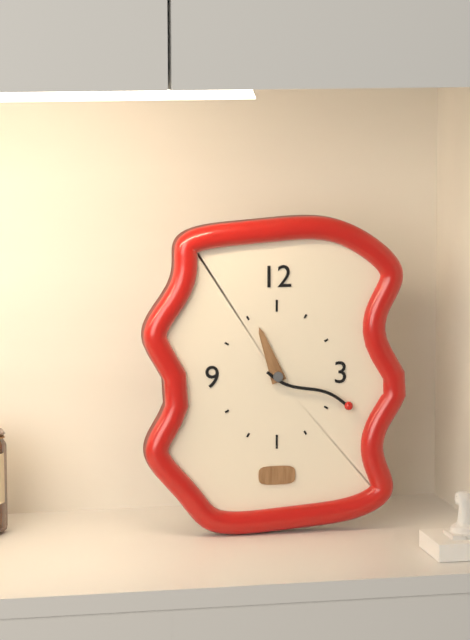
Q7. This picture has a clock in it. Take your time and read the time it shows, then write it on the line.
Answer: 11:19
